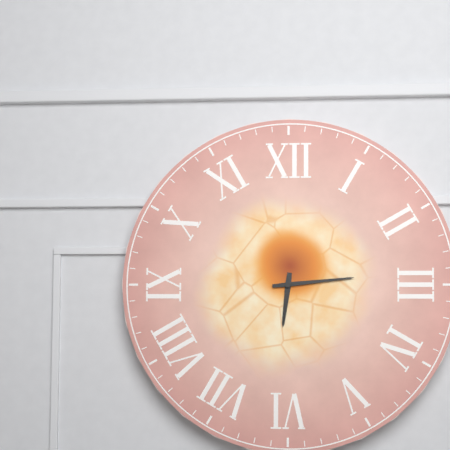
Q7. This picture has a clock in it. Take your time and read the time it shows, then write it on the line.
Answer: 6:14
